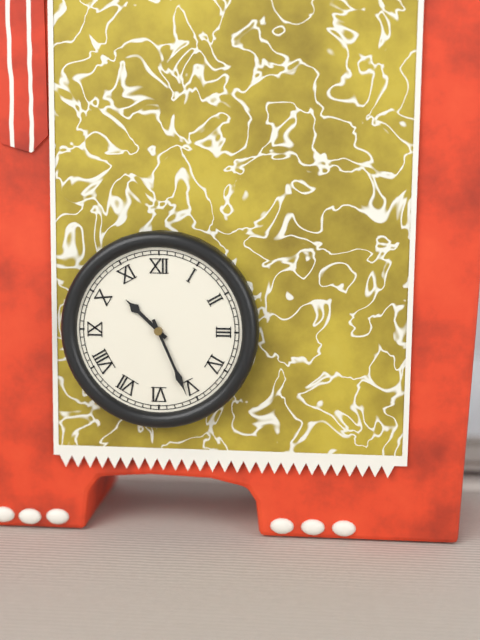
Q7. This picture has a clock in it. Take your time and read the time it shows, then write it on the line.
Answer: 10:26
